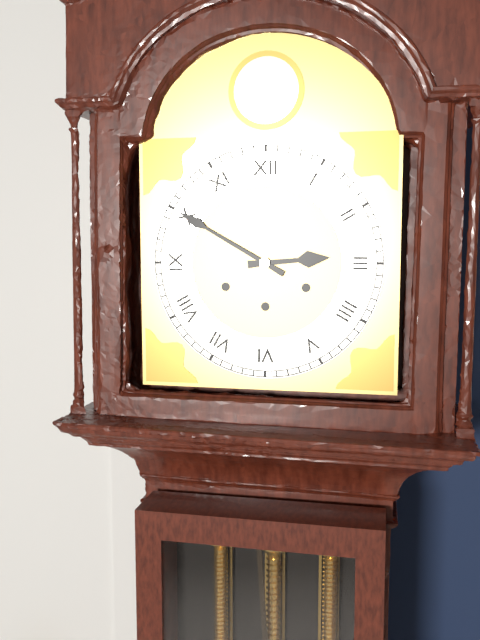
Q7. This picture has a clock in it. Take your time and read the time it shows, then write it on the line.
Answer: 2:50
